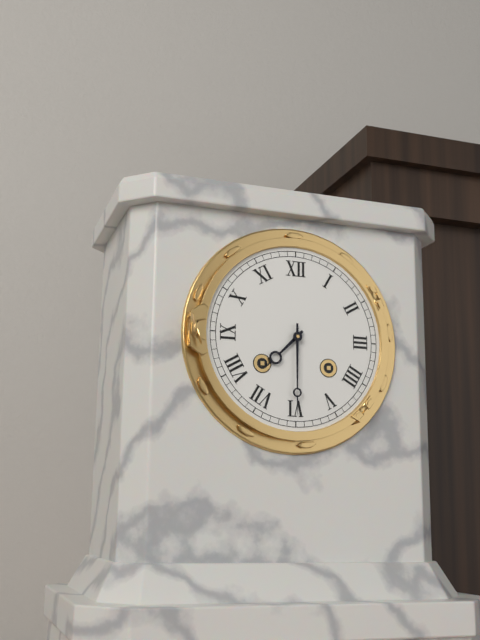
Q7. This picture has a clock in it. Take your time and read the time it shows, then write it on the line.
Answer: 7:30
